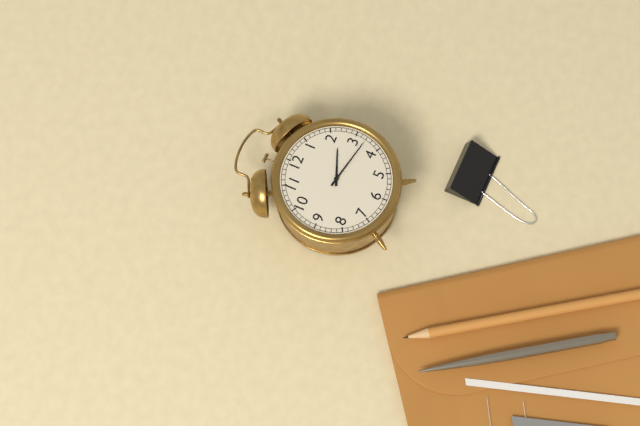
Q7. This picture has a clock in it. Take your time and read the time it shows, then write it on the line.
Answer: 2:17
